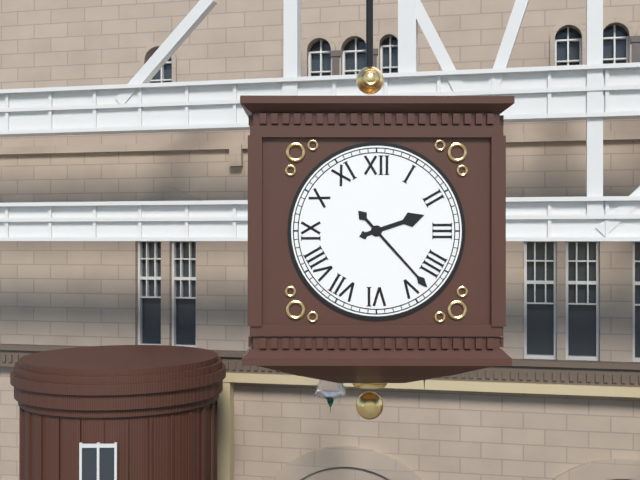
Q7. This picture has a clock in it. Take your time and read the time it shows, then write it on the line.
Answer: 2:23
